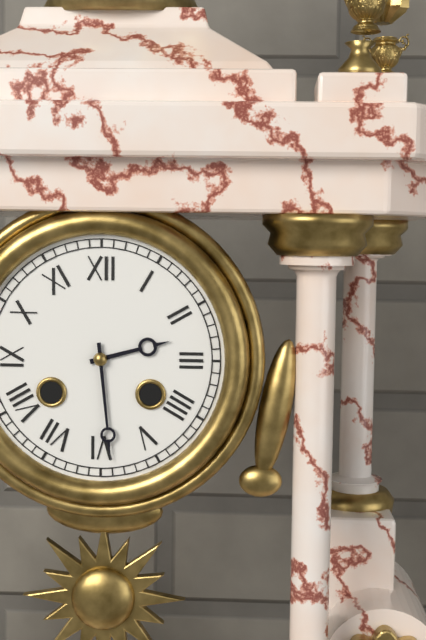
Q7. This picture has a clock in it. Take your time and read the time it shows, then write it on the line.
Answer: 2:29
